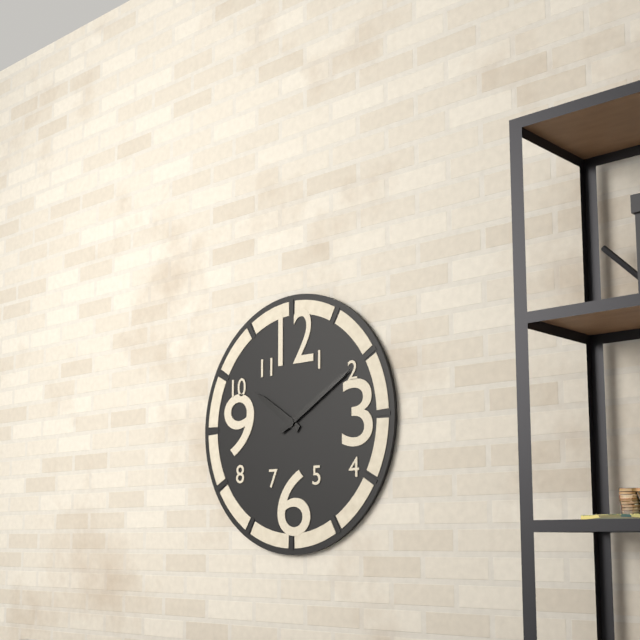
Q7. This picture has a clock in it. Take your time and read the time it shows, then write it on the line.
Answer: 10:10
